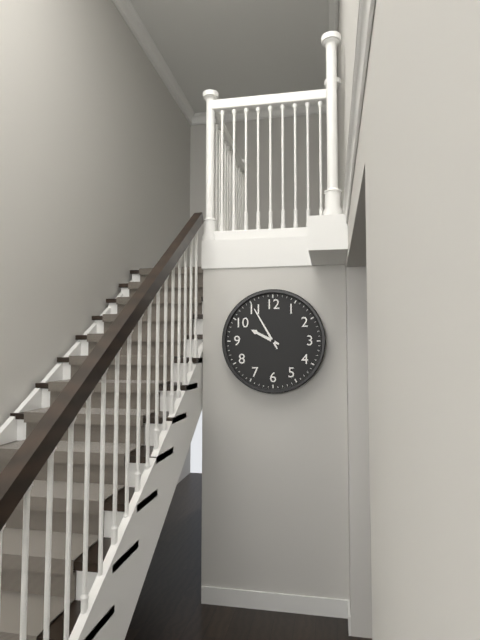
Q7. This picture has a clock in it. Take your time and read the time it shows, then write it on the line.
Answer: 9:55
